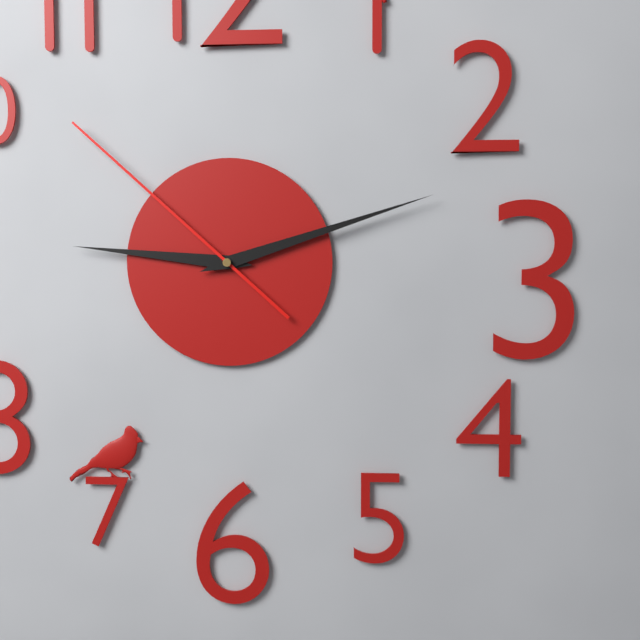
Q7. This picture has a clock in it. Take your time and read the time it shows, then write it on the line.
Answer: 9:12:52
